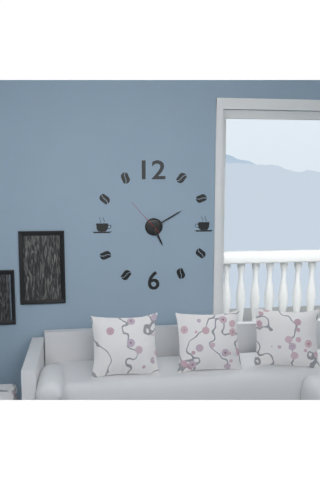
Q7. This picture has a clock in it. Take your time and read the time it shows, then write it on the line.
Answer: 5:10
